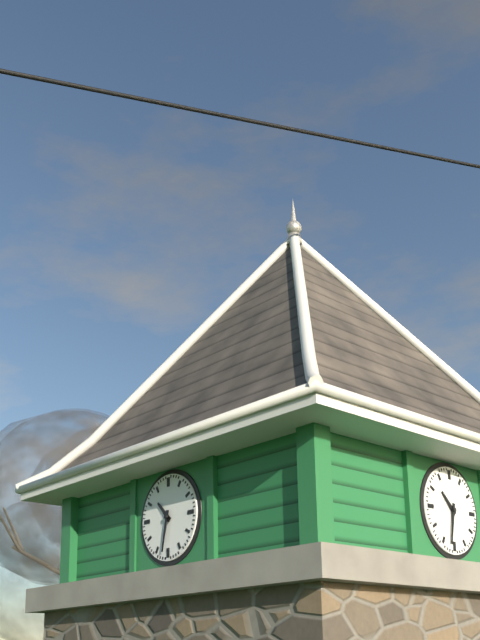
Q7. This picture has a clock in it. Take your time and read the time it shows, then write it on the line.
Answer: 10:32
